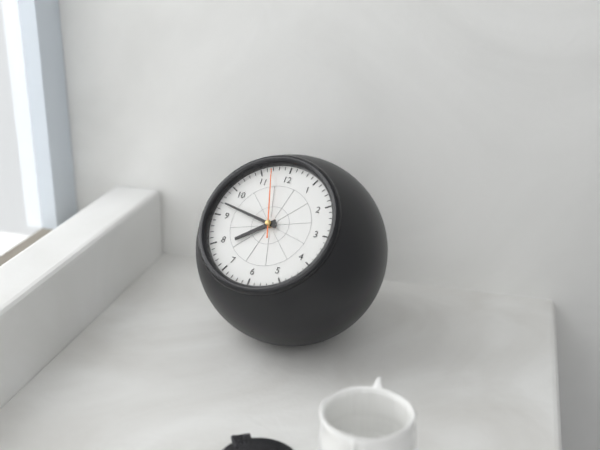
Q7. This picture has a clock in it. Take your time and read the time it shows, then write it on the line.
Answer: 7:47:57
